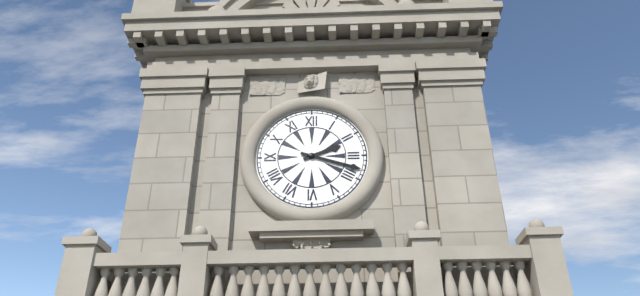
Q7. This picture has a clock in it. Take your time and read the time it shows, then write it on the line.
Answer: 2:18
